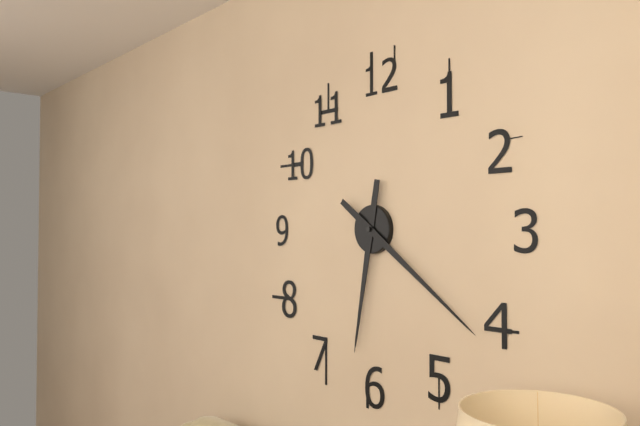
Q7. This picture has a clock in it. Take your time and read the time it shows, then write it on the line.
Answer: 6:21
